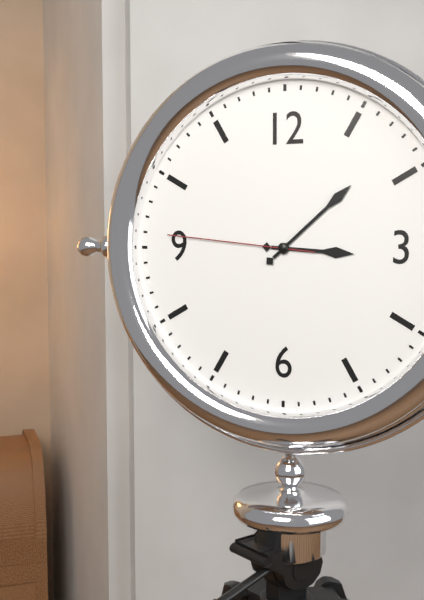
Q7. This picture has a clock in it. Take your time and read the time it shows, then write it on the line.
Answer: 3:08:46
